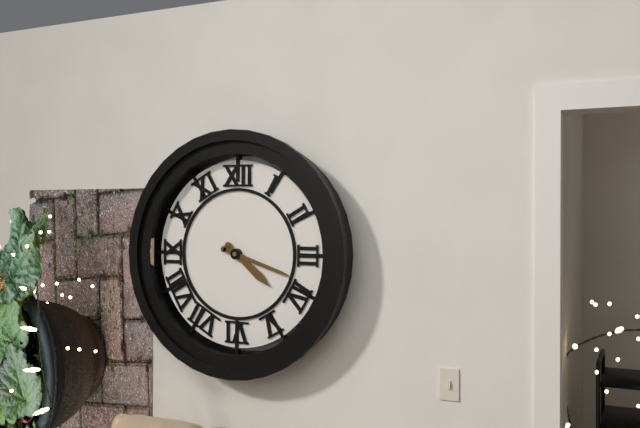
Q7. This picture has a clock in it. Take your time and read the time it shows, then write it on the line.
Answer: 4:18
